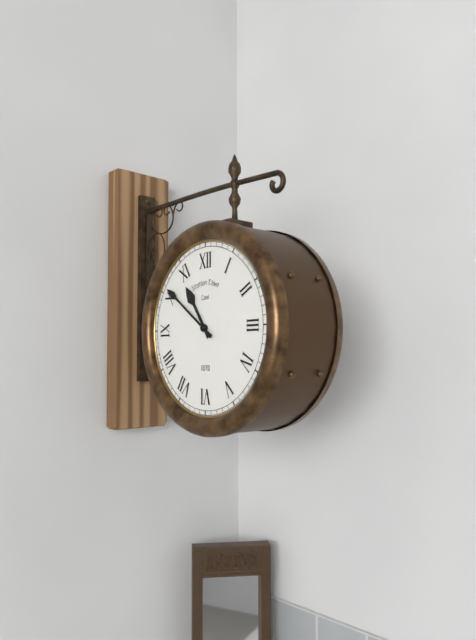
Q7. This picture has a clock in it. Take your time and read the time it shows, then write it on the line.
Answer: 10:51
